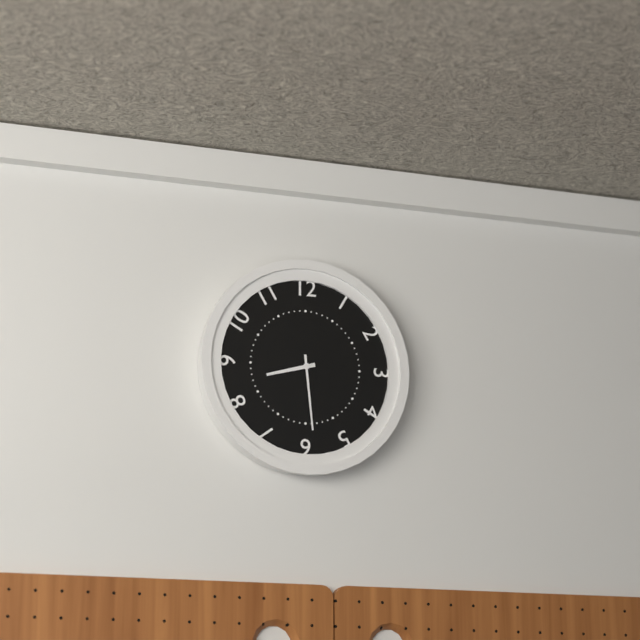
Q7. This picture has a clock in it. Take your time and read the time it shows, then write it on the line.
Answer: 8:29
